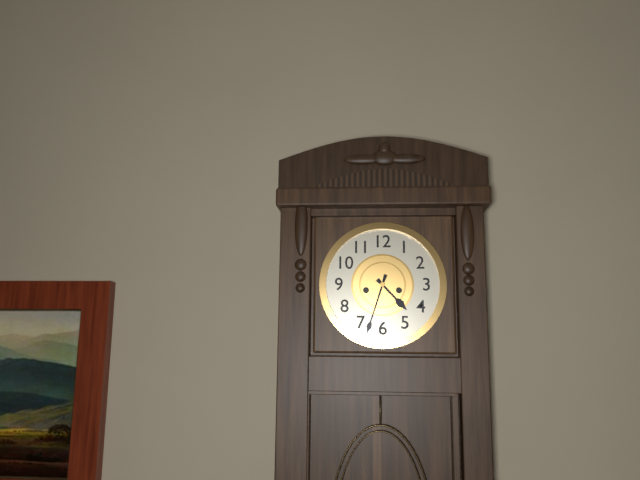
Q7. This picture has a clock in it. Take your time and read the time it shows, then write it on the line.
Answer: 4:33
